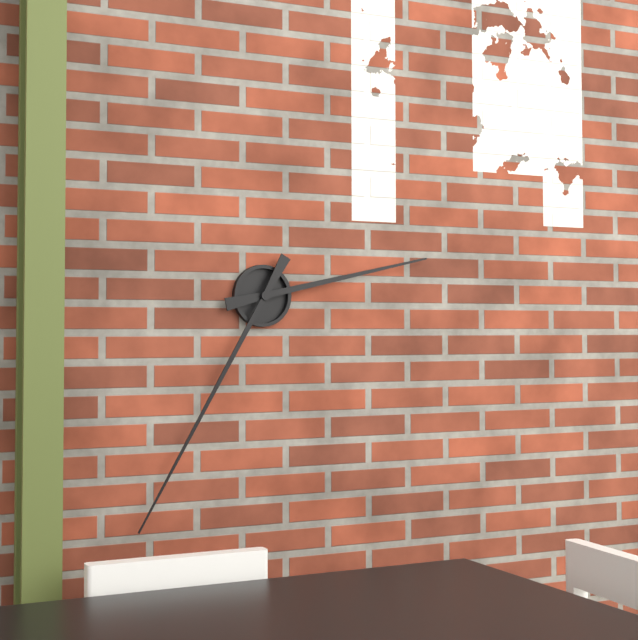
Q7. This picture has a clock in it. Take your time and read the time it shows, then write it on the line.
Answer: 2:35
